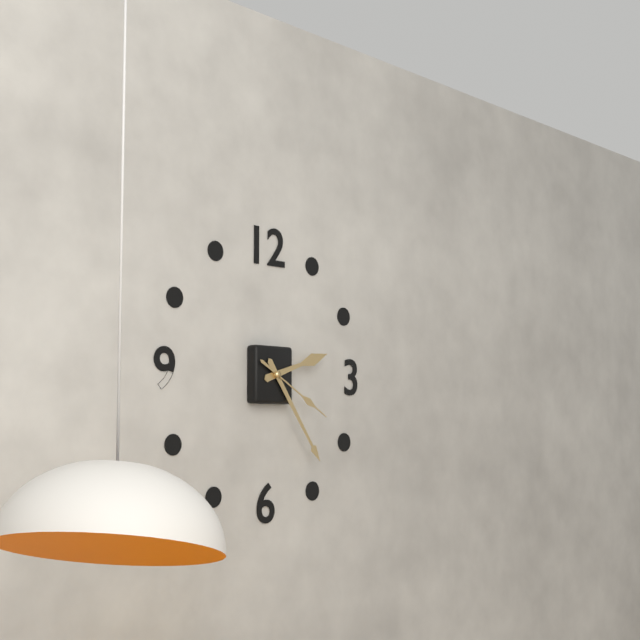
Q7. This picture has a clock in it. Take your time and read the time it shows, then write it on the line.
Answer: 2:24:20
